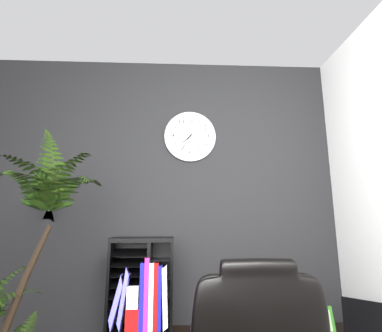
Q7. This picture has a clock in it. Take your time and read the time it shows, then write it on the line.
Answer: 7:35
